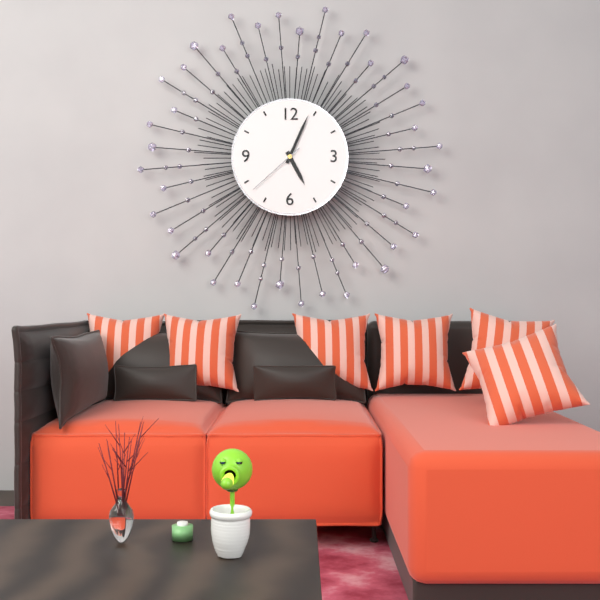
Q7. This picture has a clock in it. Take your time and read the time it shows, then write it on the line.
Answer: 5:04:38
